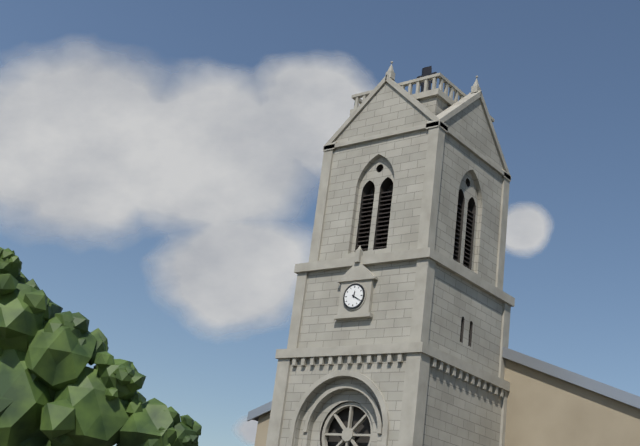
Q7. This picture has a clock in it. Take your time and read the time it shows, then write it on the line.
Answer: 12:20
